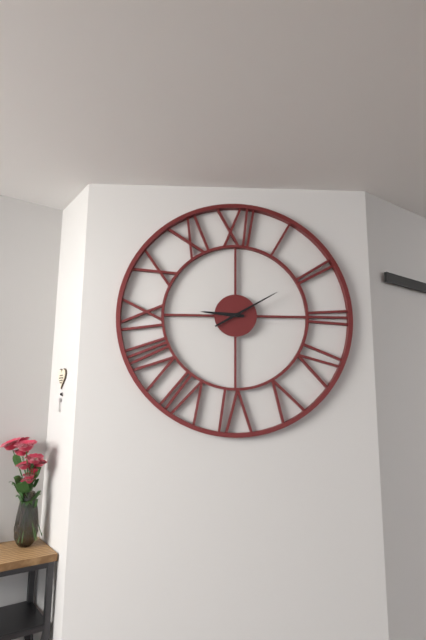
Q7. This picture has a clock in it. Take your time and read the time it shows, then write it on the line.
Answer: 9:10
